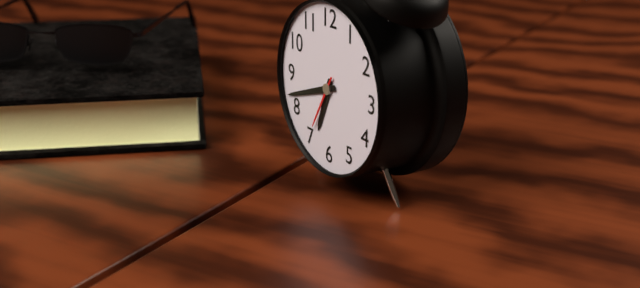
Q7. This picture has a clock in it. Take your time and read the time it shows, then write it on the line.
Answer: 6:42:35
